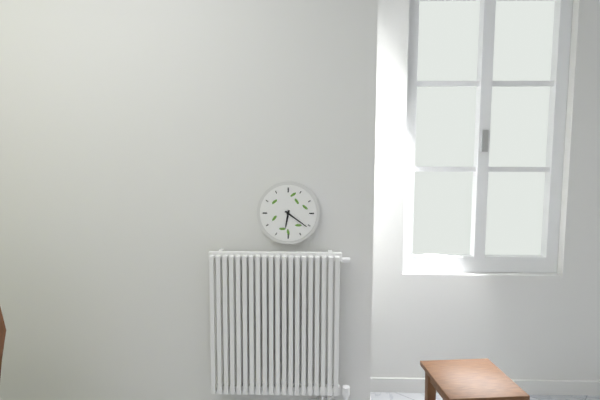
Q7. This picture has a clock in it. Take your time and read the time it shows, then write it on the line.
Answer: 6:21
